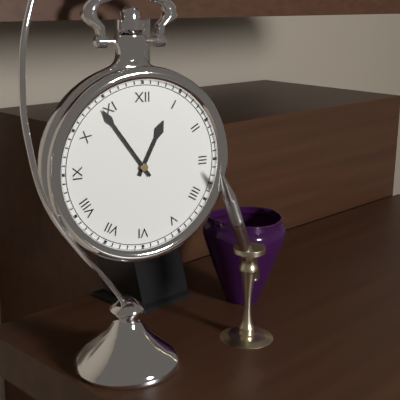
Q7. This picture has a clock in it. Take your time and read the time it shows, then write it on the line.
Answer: 12:54
